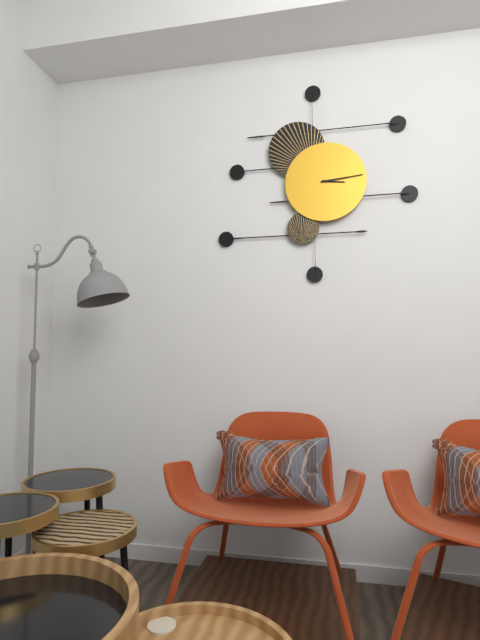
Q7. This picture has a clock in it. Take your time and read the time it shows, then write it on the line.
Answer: 3:14
